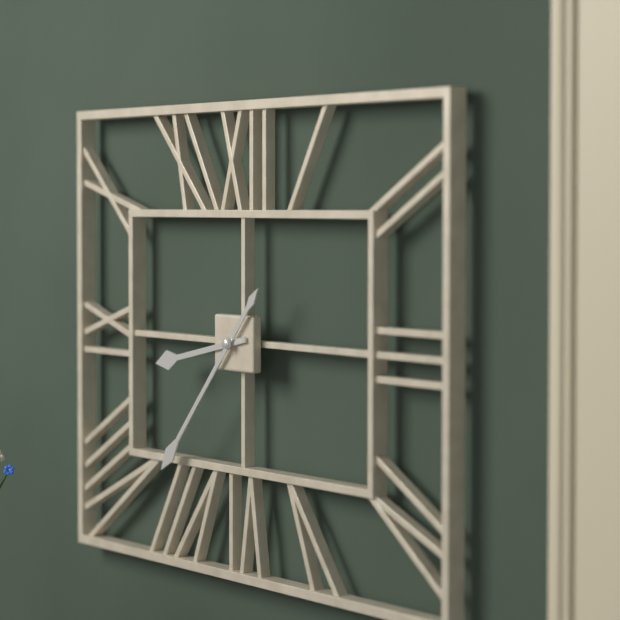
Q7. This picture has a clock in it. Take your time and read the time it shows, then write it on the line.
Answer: 8:37
